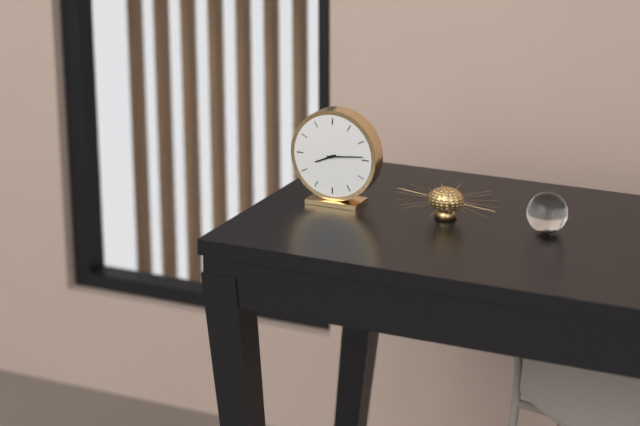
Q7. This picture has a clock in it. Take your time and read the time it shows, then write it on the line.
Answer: 8:14
